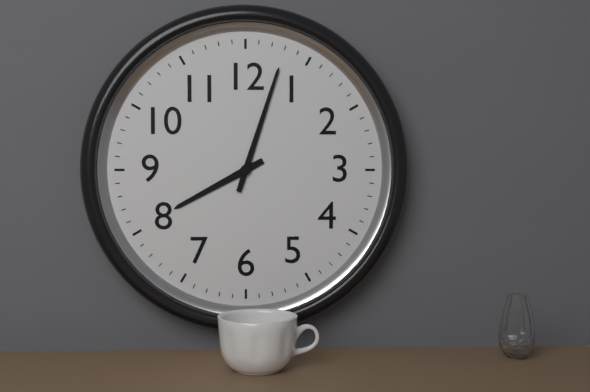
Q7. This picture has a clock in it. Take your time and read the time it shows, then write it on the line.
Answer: 8:03
